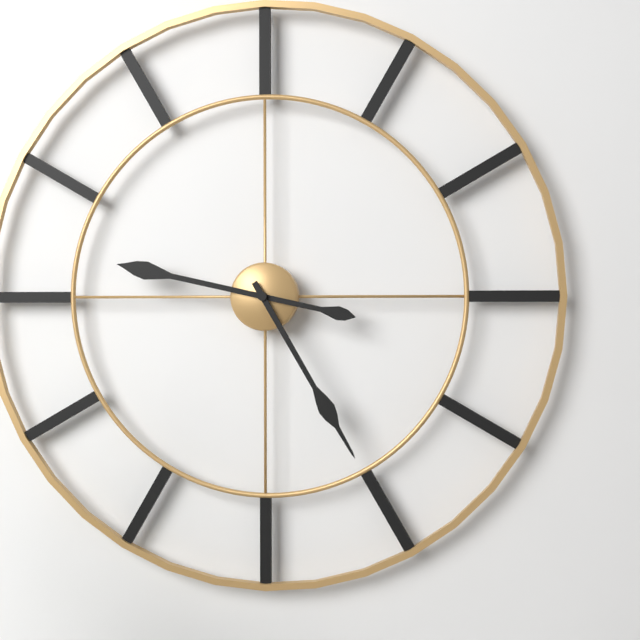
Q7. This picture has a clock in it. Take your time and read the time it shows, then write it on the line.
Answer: 9:25
